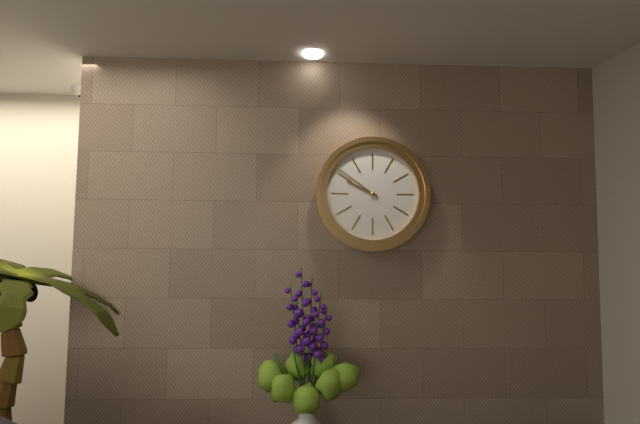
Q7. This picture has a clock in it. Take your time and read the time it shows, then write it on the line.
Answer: 9:51
